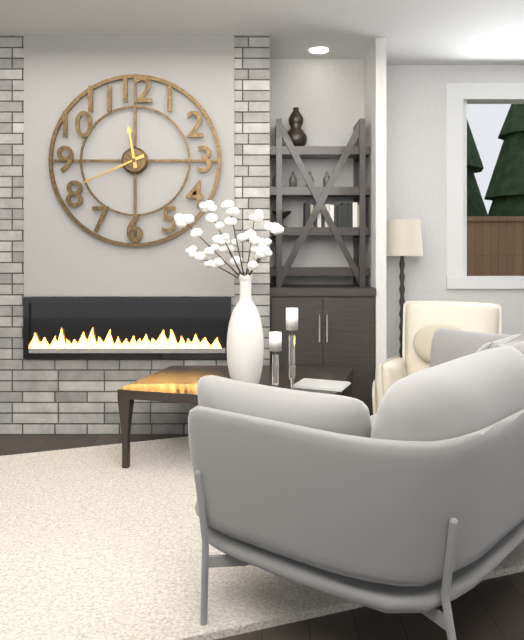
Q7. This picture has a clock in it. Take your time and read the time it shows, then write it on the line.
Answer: 11:41
